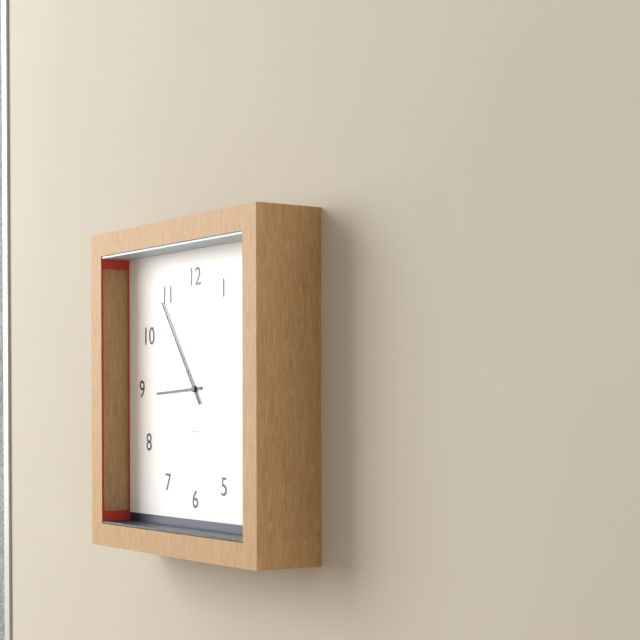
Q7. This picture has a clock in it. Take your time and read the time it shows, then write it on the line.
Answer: 8:54
